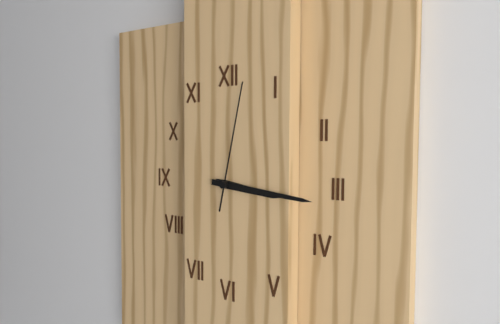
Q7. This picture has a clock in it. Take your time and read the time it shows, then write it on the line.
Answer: 3:16:02
